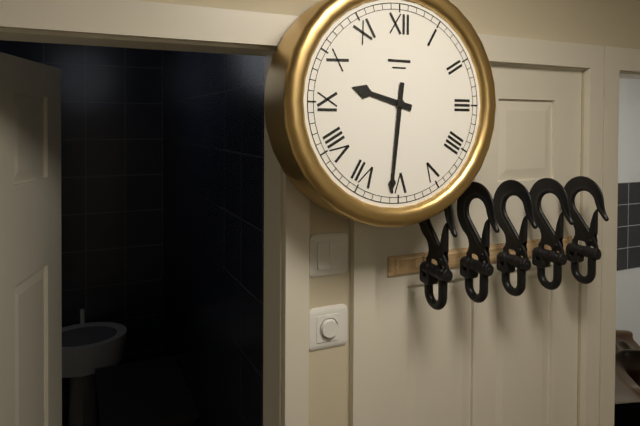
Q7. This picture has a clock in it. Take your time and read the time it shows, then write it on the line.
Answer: 9:31
